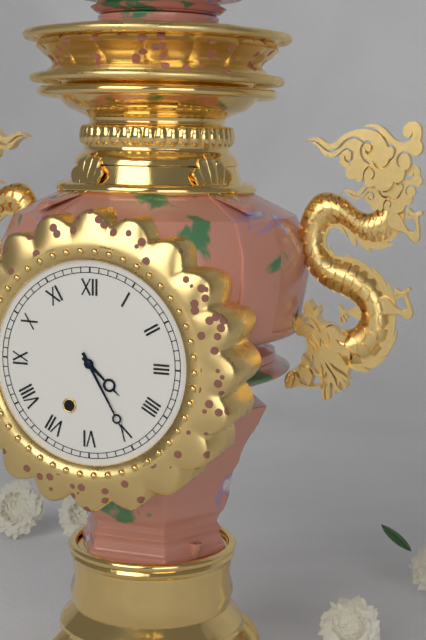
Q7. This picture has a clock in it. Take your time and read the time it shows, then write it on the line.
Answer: 4:25
